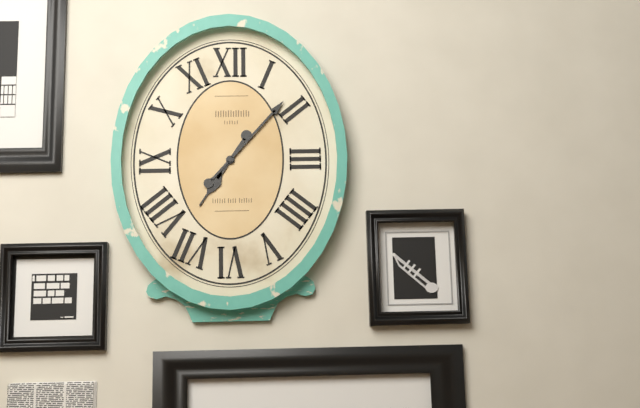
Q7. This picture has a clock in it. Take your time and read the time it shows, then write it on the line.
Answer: 7:07
